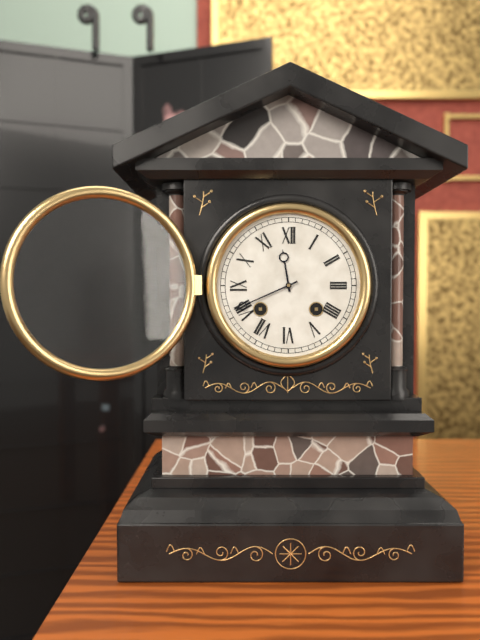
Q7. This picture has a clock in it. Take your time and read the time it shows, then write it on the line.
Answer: 11:41
